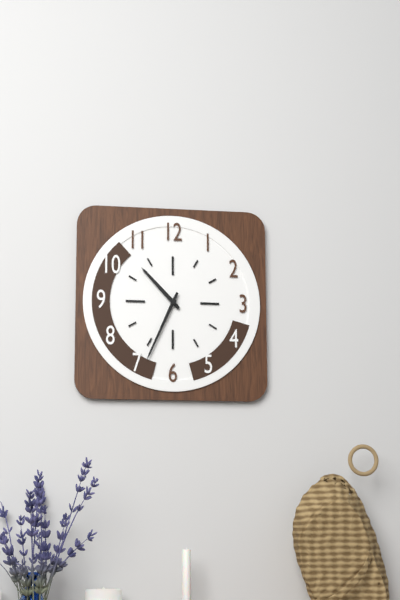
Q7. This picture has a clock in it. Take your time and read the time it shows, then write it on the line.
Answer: 10:34
